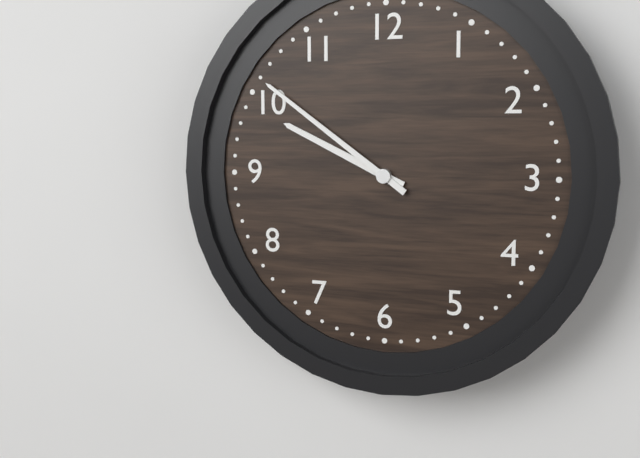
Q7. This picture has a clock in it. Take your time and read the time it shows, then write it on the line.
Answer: 9:51
